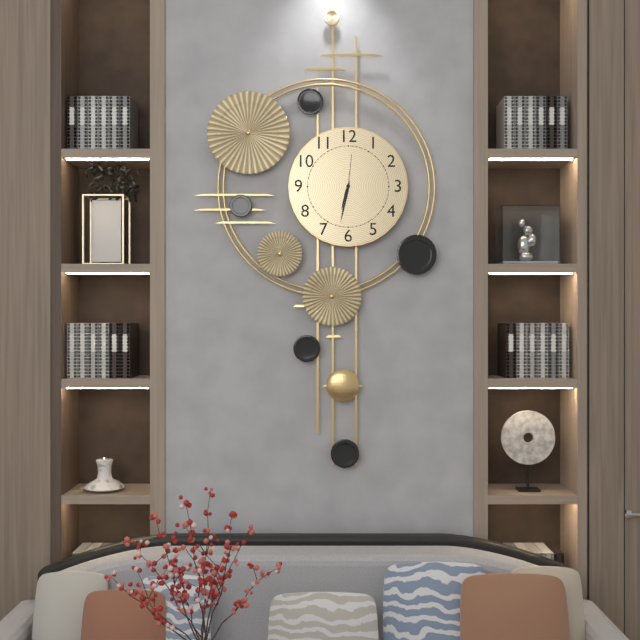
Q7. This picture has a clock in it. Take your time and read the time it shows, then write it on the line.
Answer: 6:32
